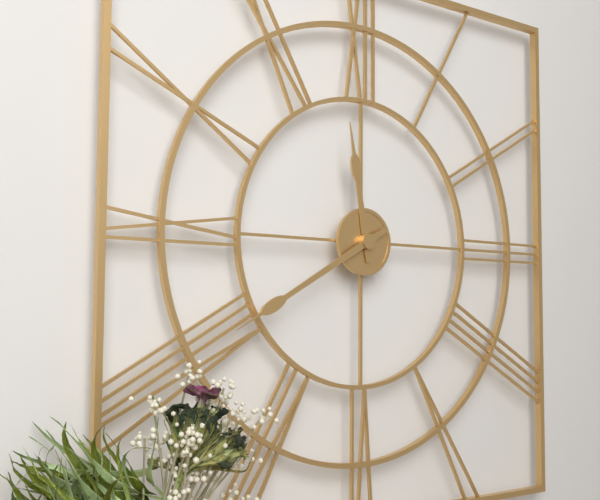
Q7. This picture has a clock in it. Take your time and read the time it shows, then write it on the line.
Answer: 11:40
